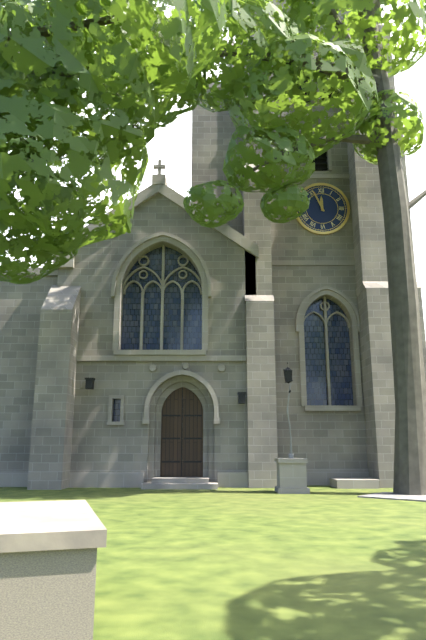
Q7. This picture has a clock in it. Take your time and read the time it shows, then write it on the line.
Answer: 11:56
